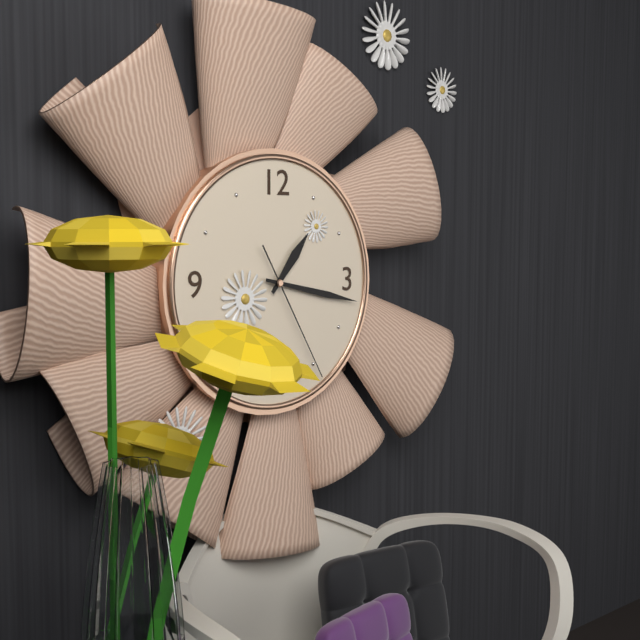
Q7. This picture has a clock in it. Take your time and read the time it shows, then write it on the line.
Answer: 1:17:25
